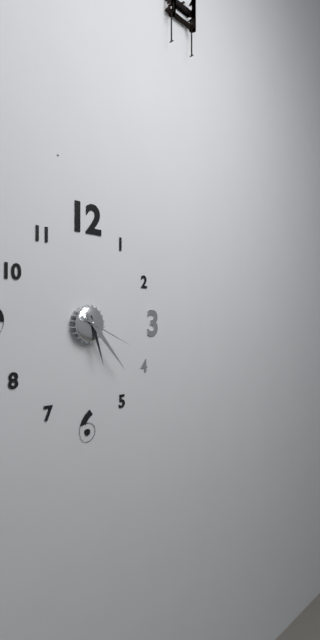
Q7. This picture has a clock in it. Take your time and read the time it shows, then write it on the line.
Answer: 5:23:19
